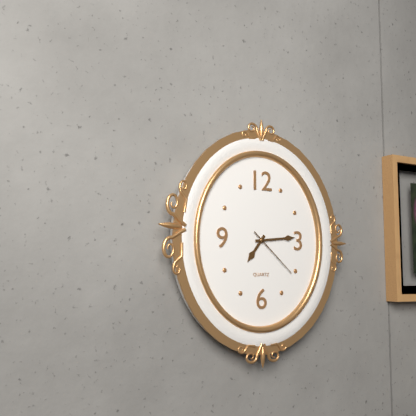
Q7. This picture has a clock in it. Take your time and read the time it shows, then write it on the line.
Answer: 7:14:22
